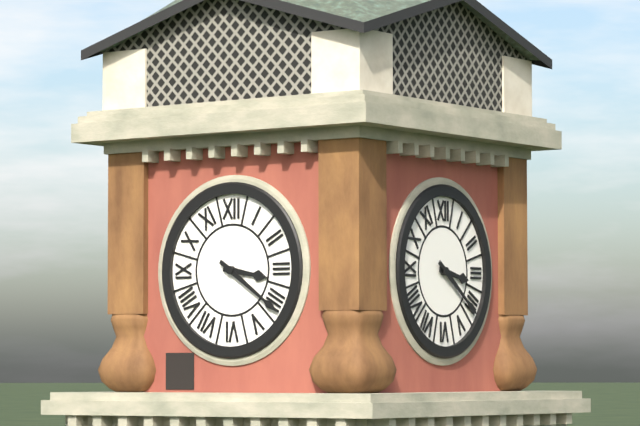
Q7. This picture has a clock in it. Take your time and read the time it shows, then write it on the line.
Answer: 3:21
